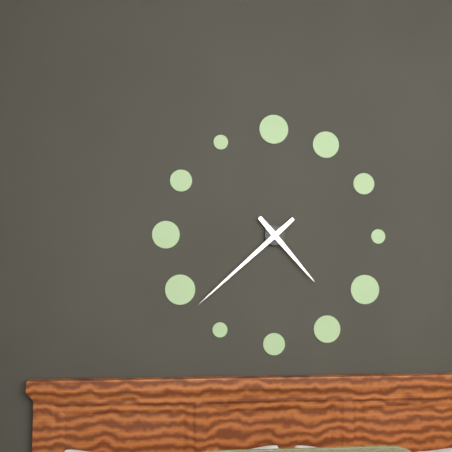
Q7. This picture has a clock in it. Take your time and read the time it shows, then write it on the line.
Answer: 4:38
